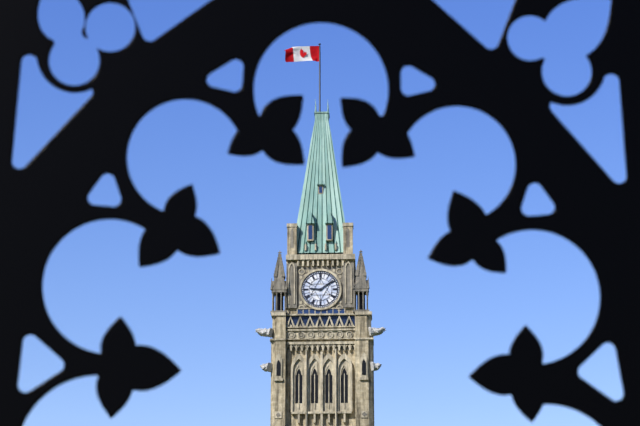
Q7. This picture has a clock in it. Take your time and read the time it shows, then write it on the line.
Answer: 9:09
